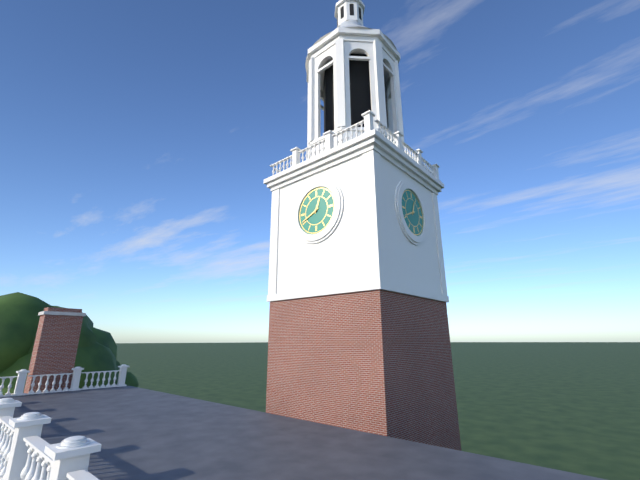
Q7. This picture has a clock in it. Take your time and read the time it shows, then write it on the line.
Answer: 12:41
